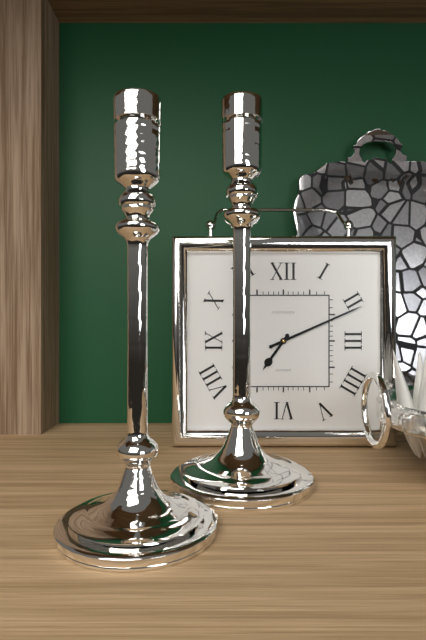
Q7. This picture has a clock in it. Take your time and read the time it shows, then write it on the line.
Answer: 7:11
